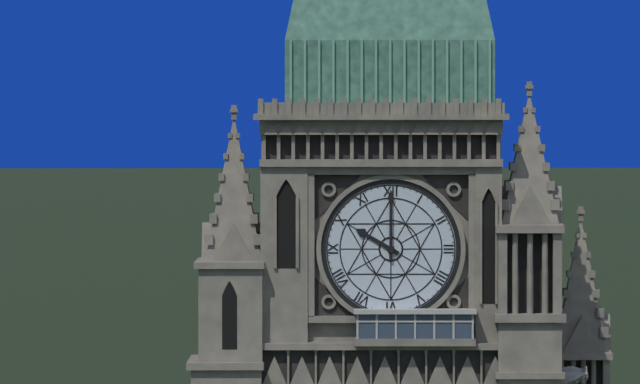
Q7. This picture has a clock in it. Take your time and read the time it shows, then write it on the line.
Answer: 10:00
